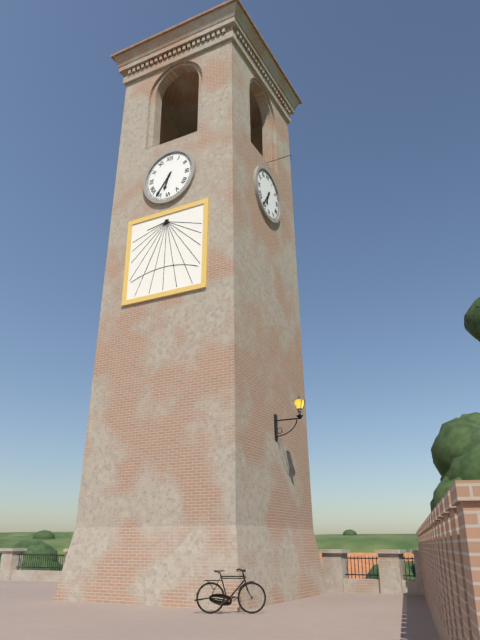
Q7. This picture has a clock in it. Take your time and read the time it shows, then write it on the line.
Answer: 6:36
